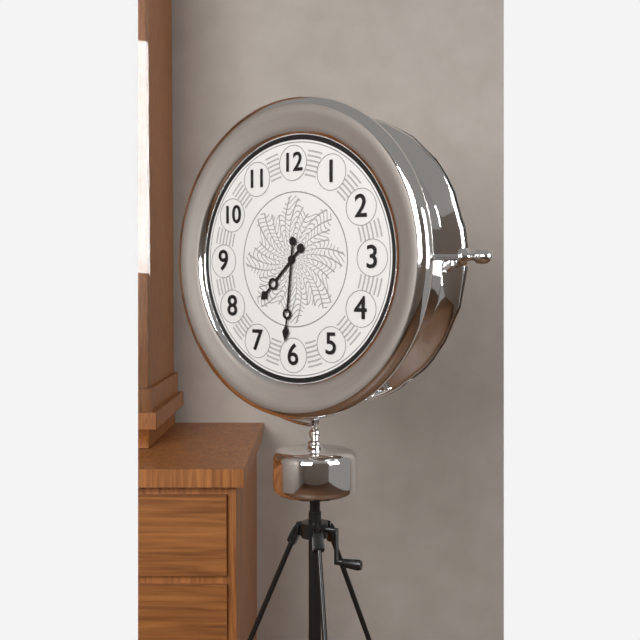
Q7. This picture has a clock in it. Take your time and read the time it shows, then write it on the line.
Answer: 7:31
